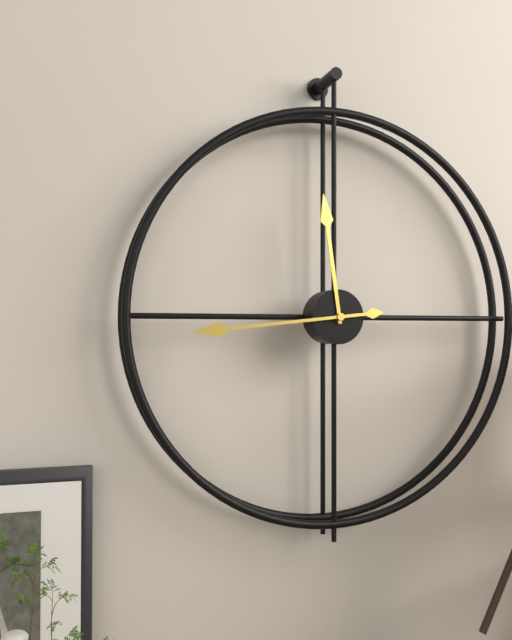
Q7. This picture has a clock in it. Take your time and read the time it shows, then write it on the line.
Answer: 11:44
